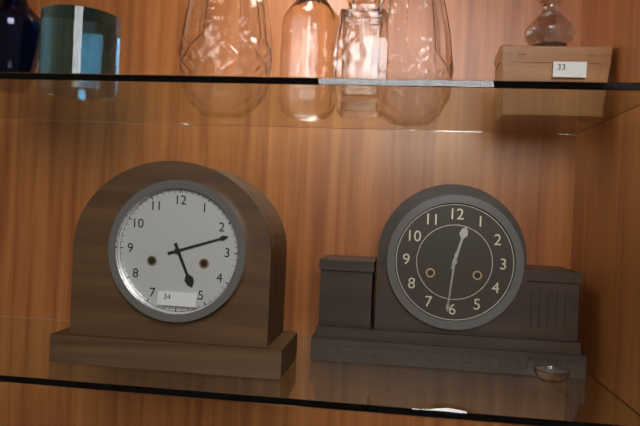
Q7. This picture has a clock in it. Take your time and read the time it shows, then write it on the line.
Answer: 5:12
